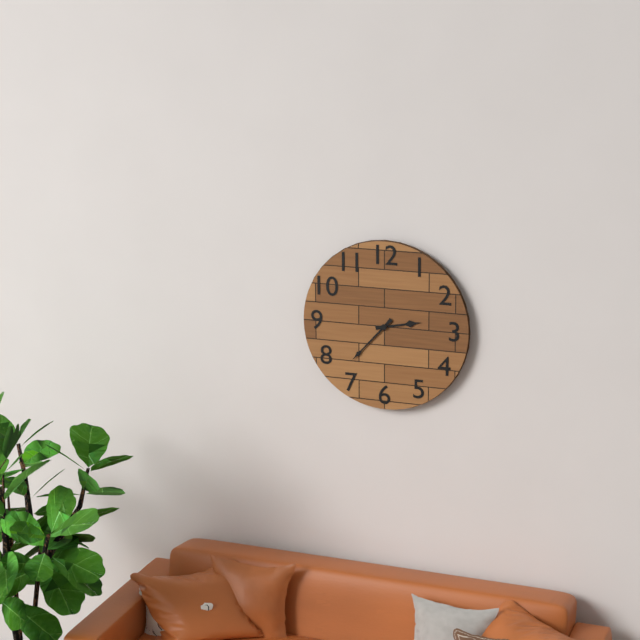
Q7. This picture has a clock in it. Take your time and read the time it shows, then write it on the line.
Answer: 2:37
